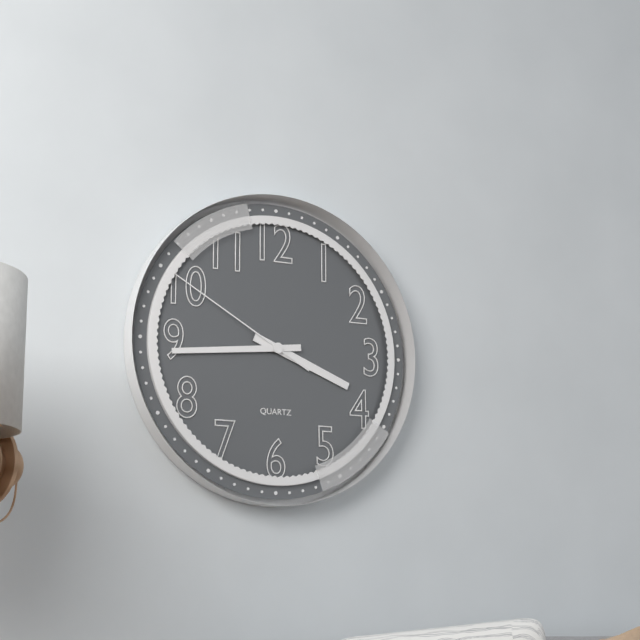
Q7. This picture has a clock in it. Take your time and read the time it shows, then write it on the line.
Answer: 3:44:50
